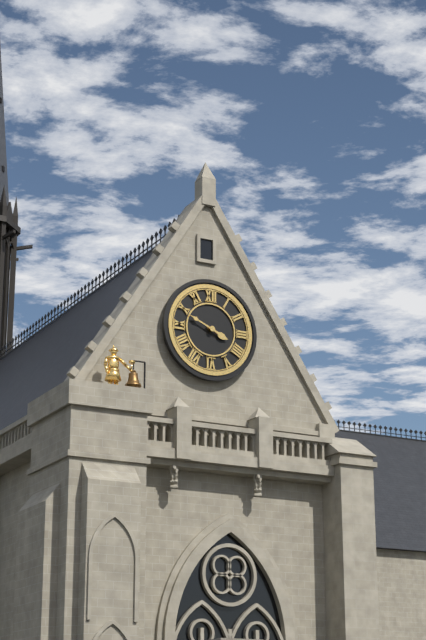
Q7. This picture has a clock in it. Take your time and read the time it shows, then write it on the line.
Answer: 3:49
